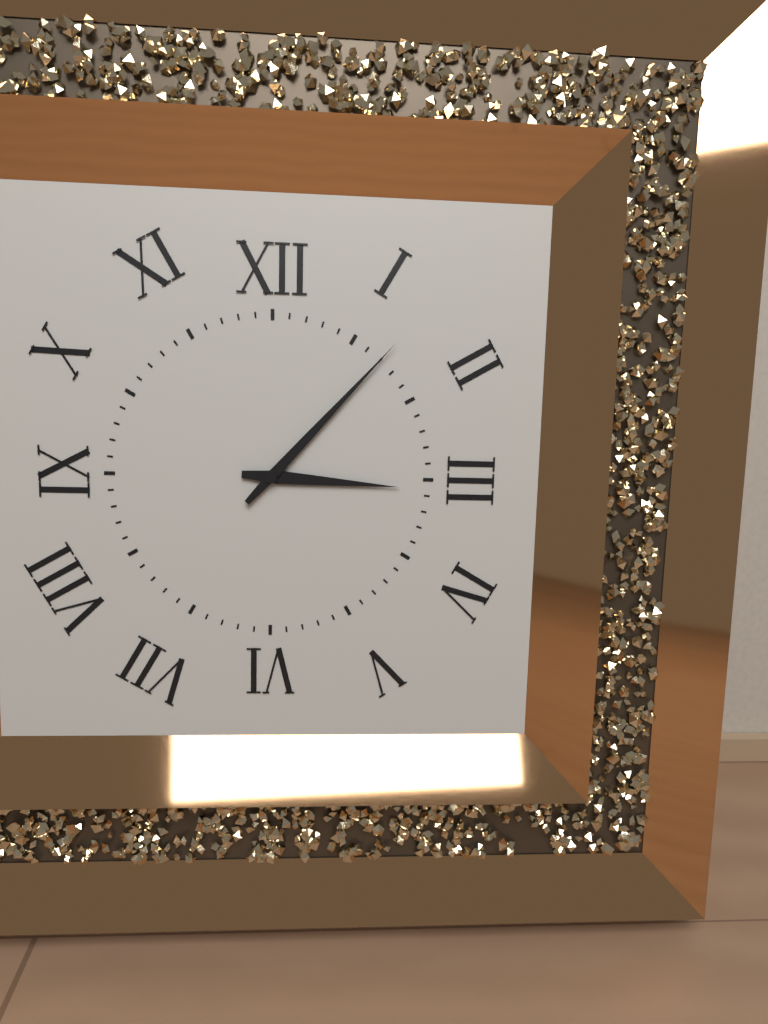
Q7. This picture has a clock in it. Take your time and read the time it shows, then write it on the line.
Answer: 3:07
